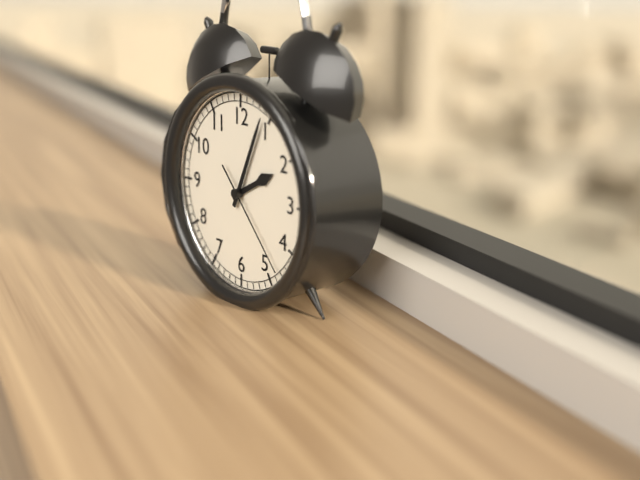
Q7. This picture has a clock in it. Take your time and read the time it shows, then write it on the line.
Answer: 2:04:23
